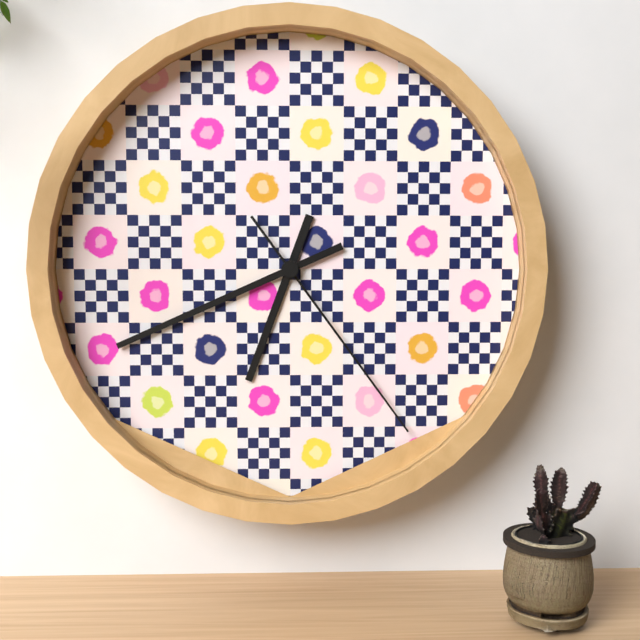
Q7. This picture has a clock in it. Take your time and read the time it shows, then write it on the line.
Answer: 6:41:24
